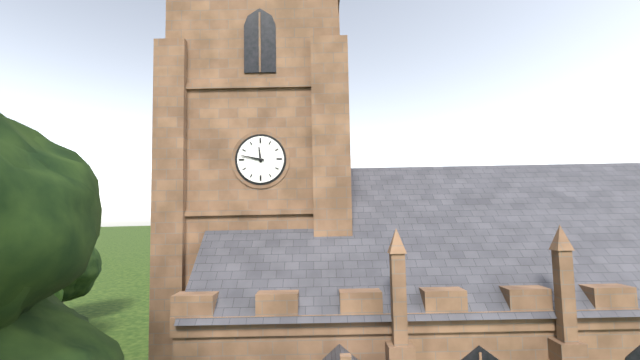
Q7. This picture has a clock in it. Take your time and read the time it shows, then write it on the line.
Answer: 11:47
